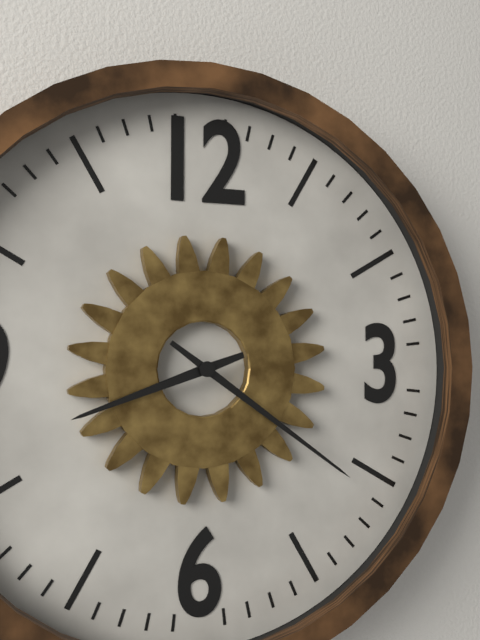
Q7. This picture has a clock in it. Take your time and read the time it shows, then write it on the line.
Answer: 8:21
